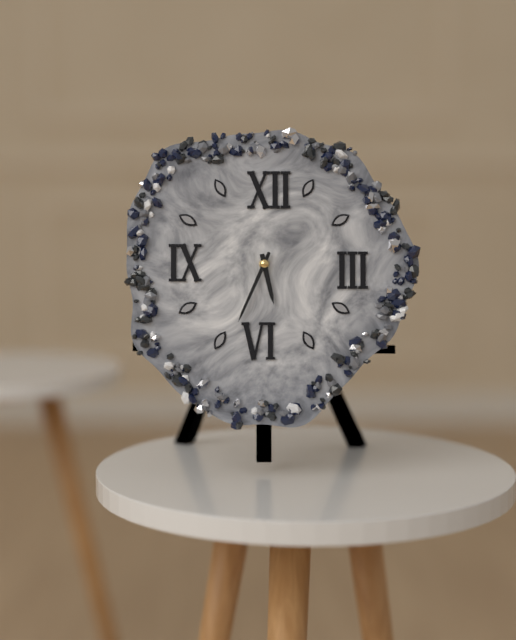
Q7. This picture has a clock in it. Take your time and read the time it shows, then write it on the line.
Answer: 5:34
